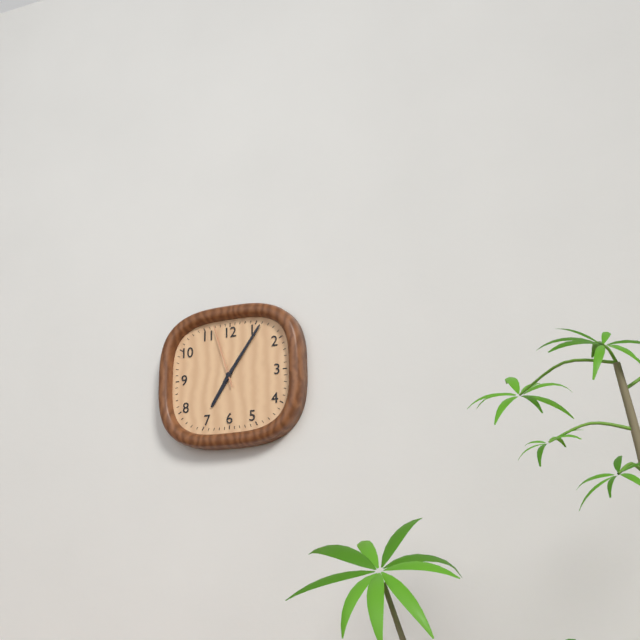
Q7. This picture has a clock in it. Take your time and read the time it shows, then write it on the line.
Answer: 7:06:57
